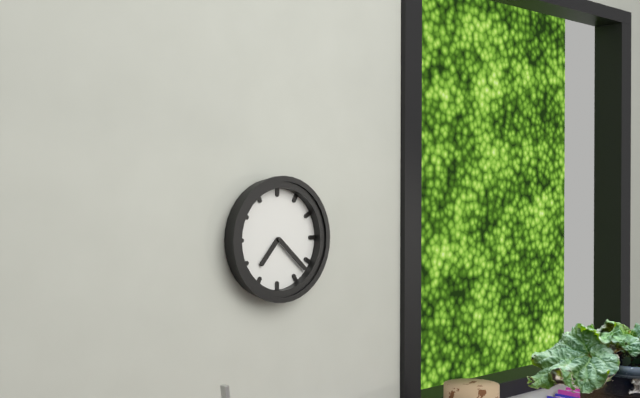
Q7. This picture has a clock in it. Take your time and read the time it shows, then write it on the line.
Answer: 7:22
